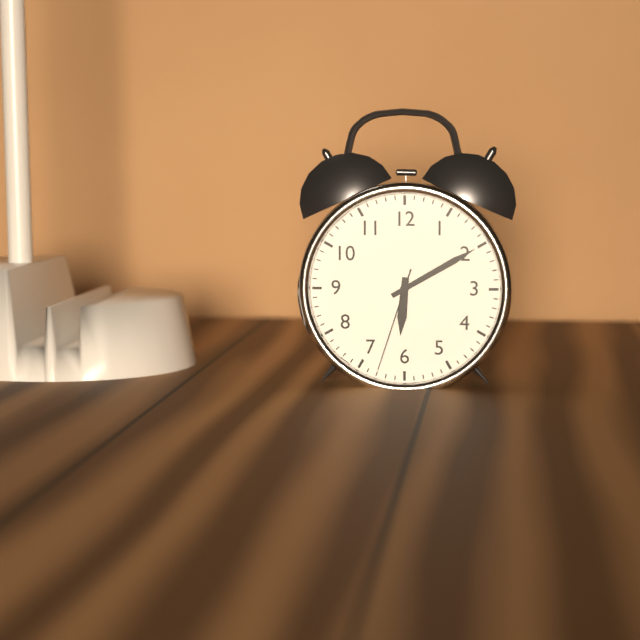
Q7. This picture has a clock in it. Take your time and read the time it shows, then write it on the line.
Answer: 6:10:33
